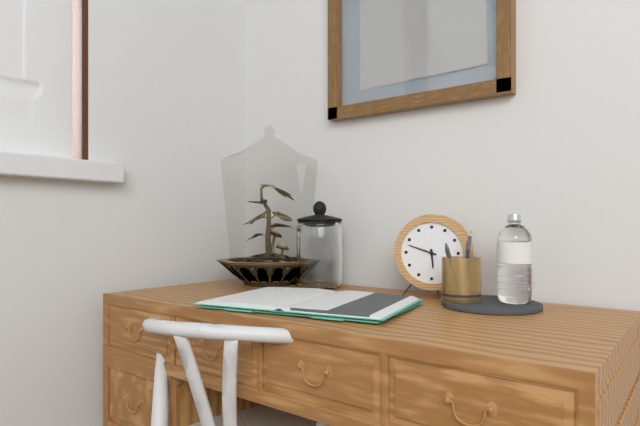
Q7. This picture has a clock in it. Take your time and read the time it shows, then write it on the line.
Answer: 5:48
